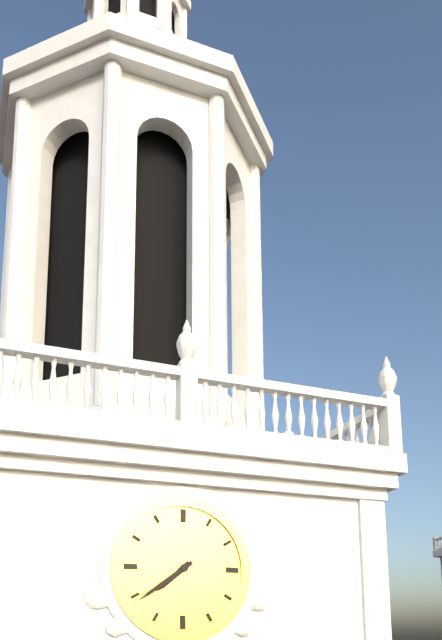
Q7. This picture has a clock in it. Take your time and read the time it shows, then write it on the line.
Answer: 7:39
